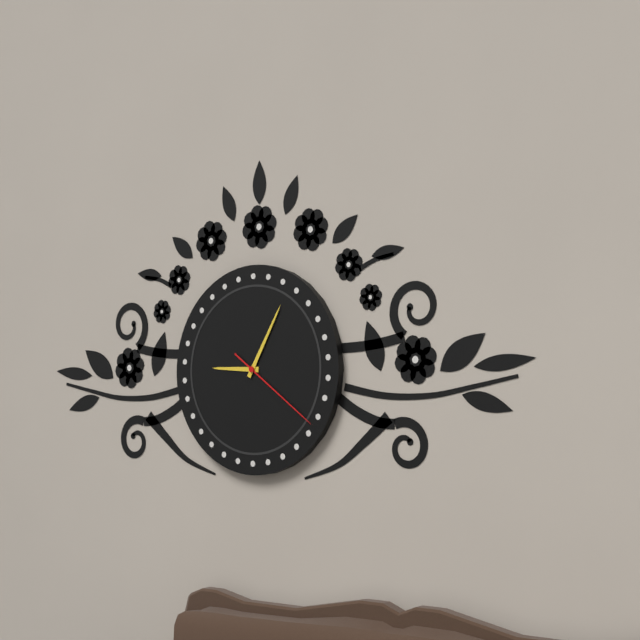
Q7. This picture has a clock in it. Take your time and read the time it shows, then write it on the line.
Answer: 9:05:21
